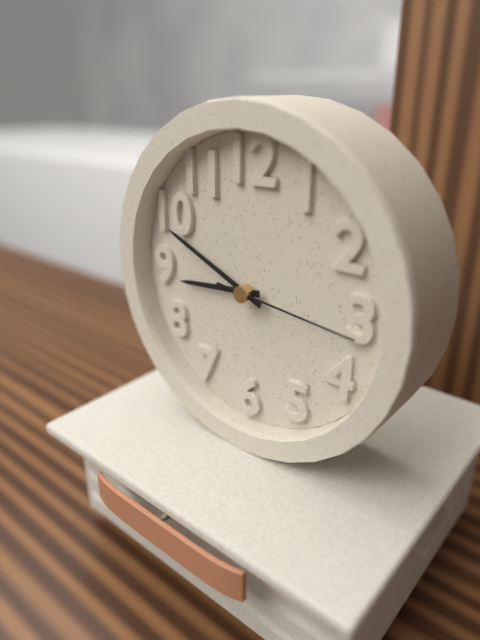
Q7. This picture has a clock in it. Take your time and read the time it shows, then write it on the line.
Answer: 8:49:16
